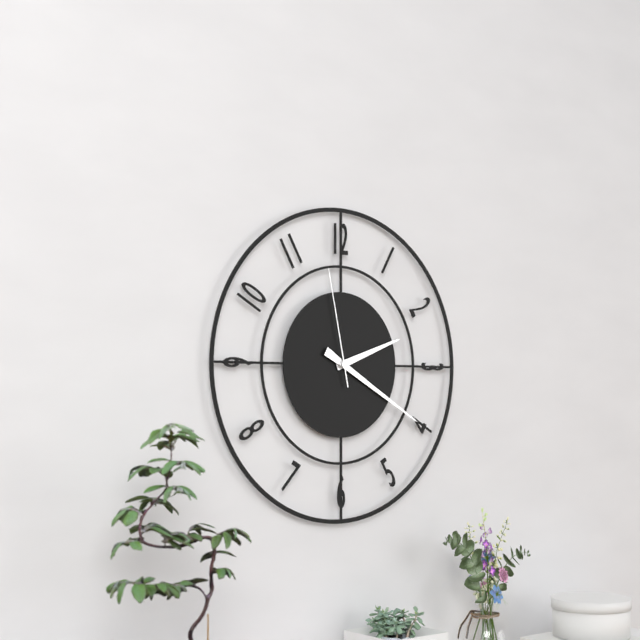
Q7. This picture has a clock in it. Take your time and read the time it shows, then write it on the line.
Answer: 2:20:58
